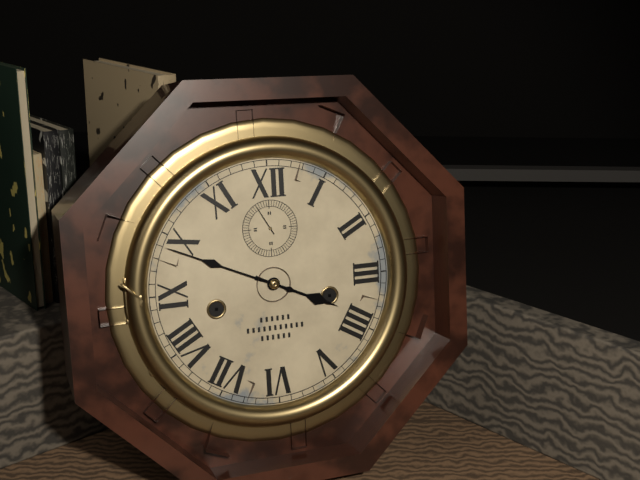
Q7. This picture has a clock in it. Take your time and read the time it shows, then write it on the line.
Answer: 3:49
